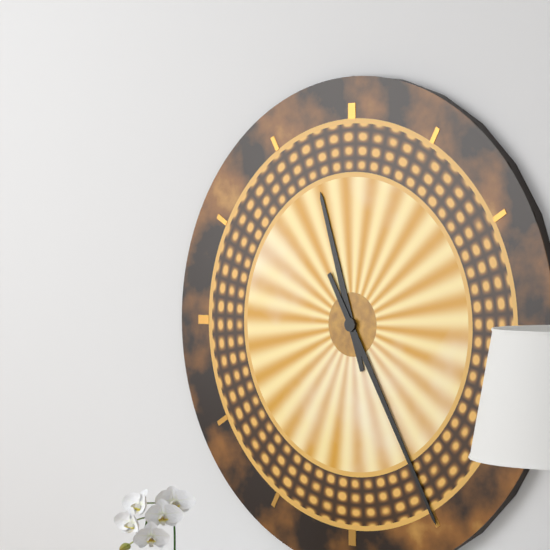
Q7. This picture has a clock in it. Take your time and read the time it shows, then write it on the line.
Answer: 11:25
